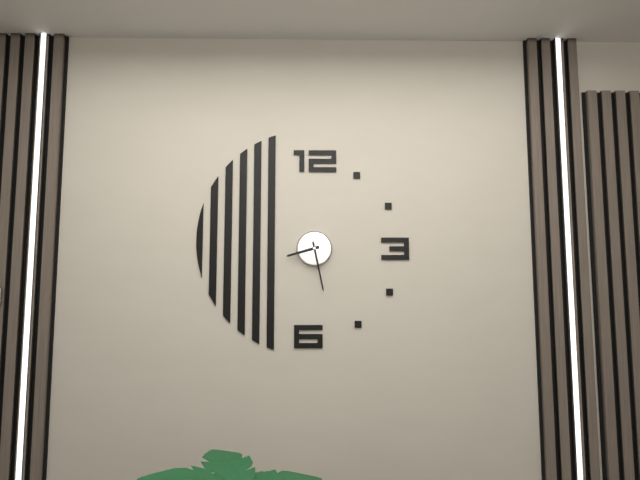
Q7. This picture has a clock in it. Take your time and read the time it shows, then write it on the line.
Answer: 8:28
